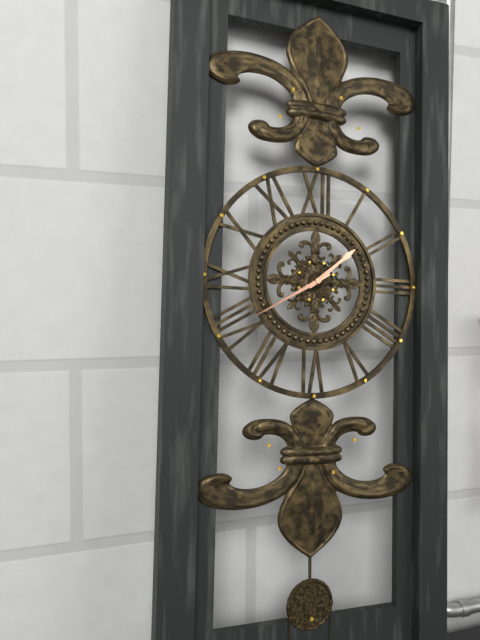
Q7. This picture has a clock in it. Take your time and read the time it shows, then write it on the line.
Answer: 1:40
